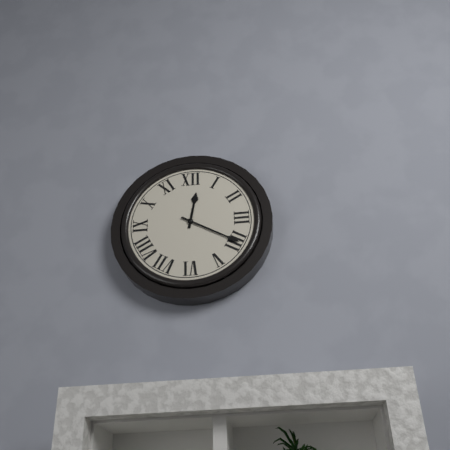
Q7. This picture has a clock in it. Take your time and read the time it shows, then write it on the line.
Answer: 12:20
